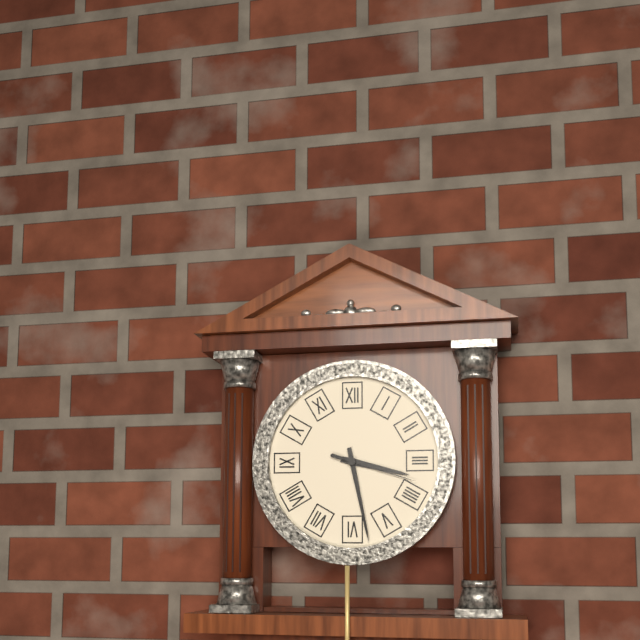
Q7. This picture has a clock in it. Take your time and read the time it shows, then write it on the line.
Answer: 3:28:18
